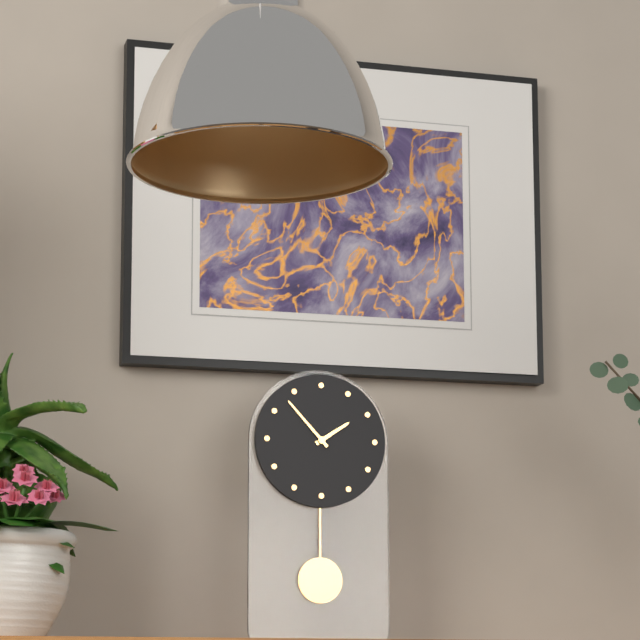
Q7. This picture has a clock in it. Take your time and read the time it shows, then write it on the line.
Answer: 1:53
